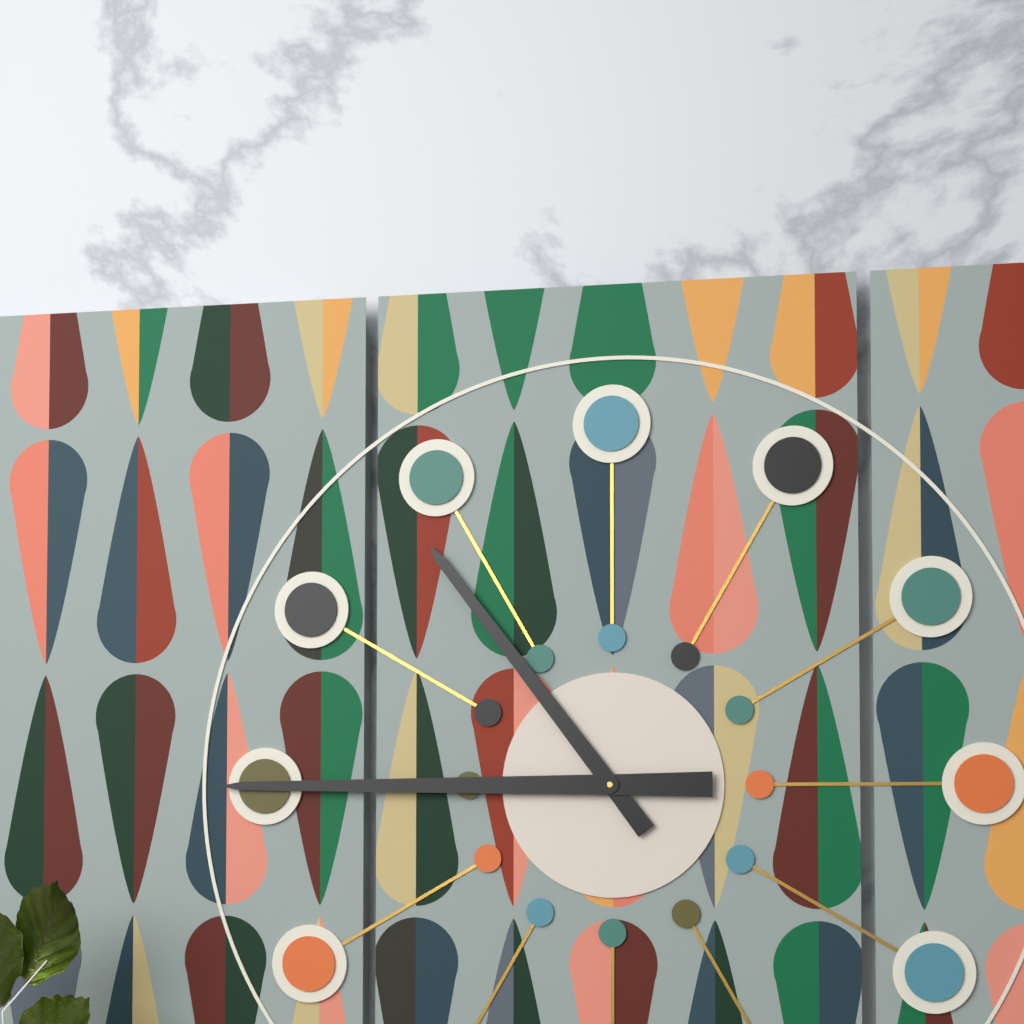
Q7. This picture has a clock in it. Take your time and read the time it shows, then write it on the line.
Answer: 10:45
